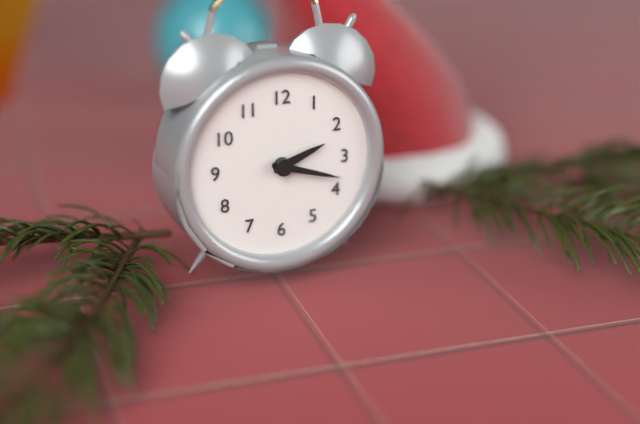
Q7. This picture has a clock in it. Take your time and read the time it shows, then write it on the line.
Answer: 2:18
